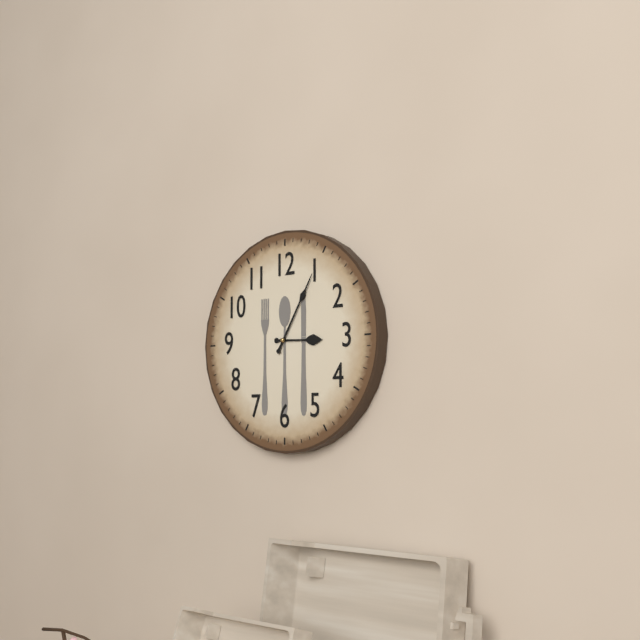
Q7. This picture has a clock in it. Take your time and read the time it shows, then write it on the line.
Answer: 3:05
